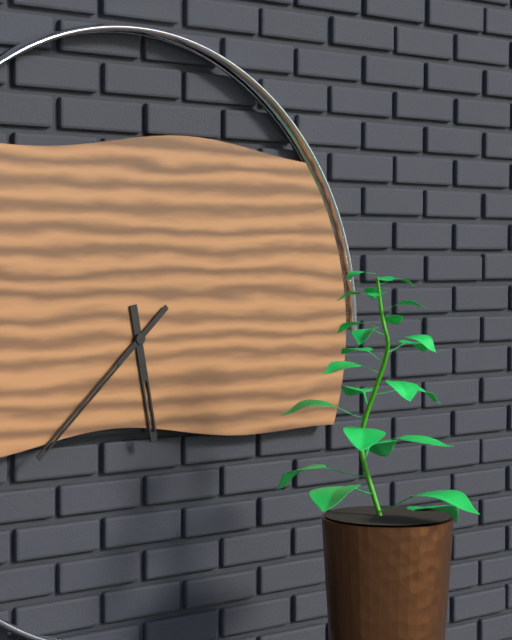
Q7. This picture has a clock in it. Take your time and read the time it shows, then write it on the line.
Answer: 5:38
